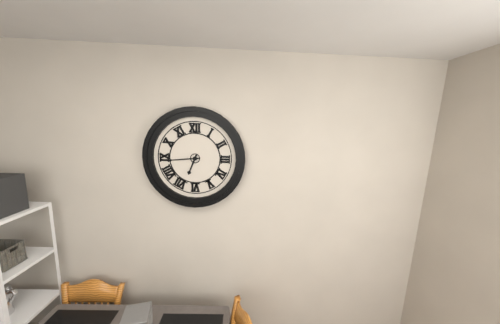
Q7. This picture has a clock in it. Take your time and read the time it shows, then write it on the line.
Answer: 6:44
